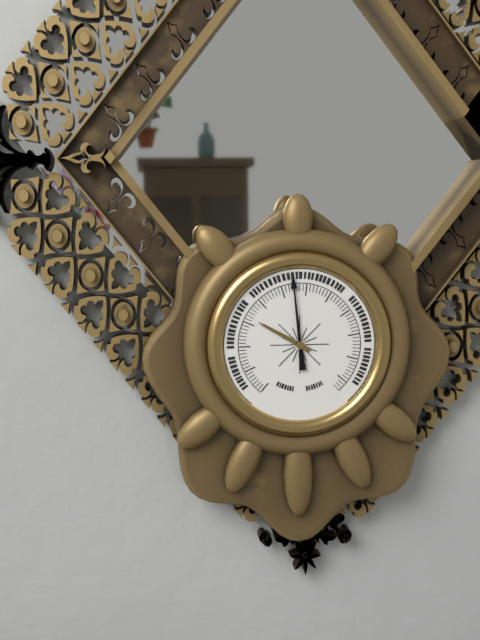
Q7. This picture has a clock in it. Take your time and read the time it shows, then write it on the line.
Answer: 9:59
